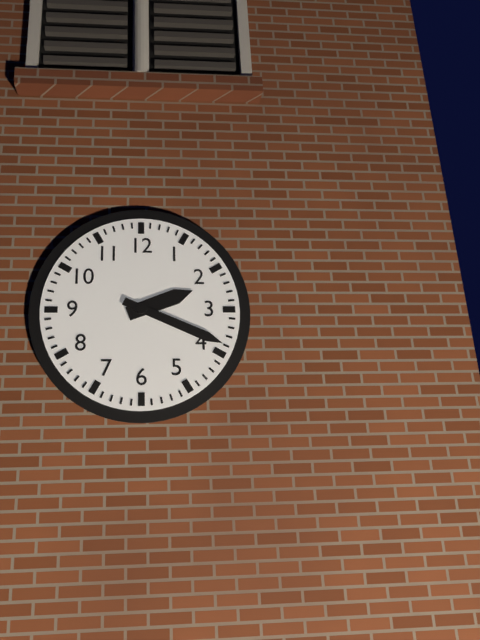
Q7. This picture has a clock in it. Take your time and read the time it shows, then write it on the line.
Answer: 2:19
